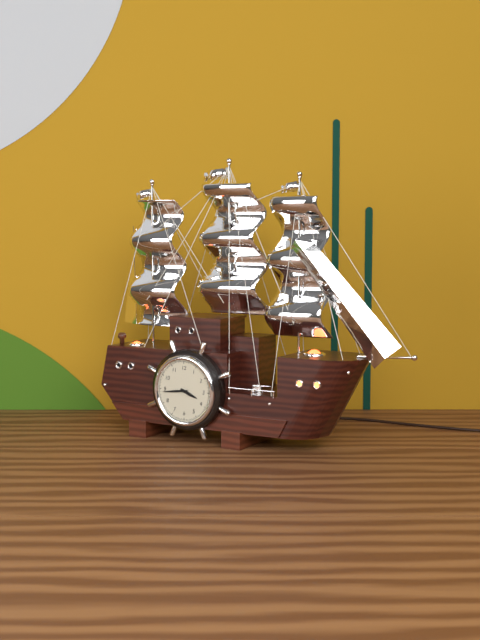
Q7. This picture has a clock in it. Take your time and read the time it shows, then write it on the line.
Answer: 3:44
